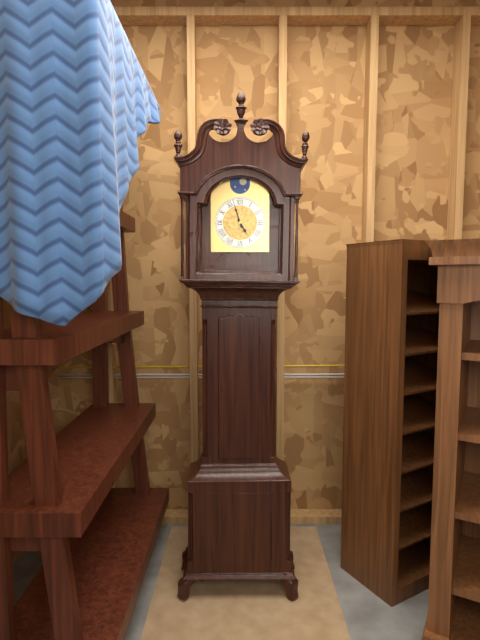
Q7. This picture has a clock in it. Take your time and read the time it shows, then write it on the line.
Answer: 4:57
